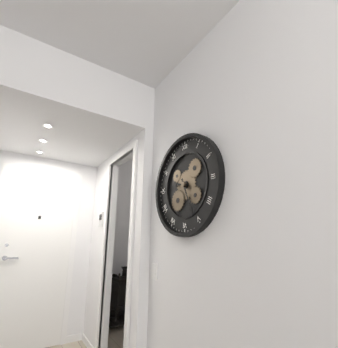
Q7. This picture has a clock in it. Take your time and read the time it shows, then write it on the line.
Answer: 9:26
